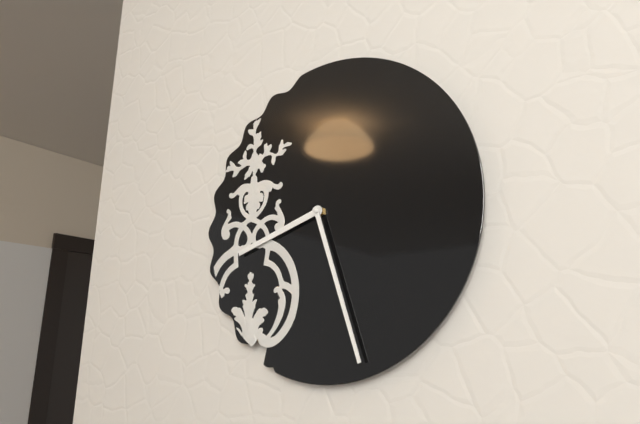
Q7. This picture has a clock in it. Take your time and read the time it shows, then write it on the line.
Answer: 8:27
